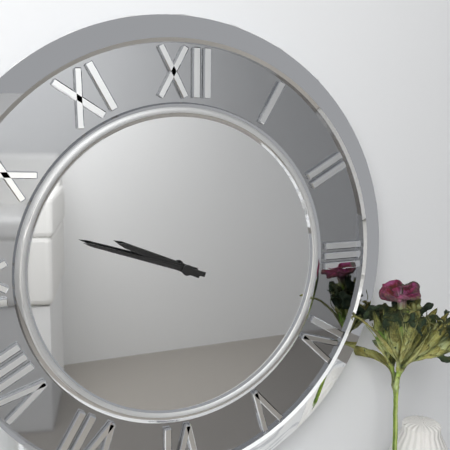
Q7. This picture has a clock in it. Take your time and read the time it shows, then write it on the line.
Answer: 9:48
